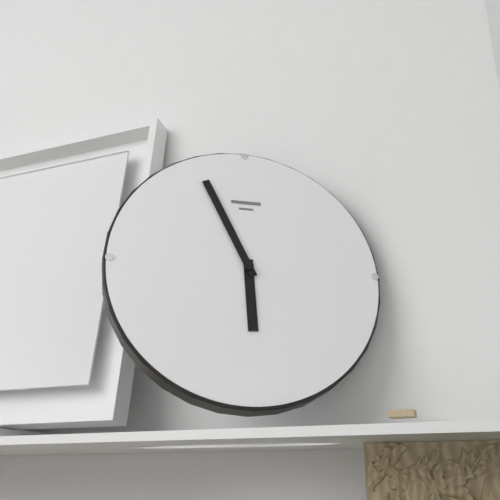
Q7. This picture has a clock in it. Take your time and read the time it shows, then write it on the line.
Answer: 5:56
